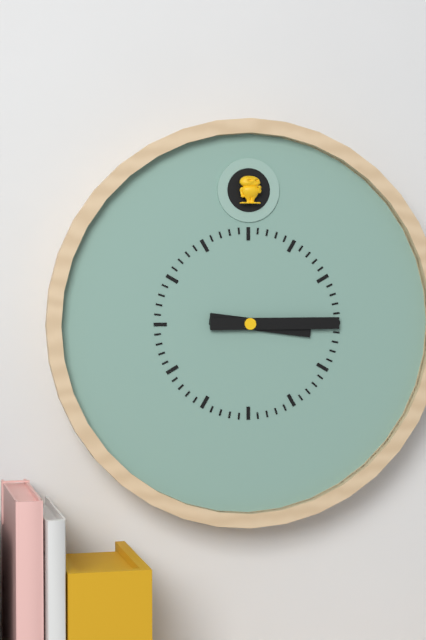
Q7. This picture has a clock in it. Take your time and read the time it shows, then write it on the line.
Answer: 3:15
